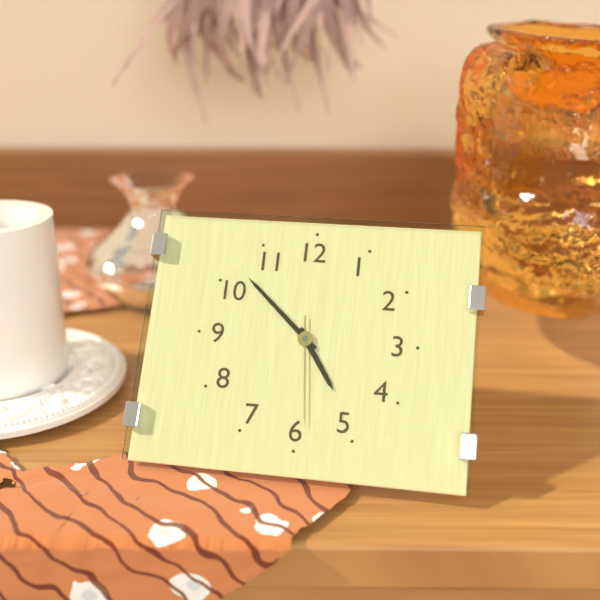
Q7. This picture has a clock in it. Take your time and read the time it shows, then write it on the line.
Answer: 4:52:29
